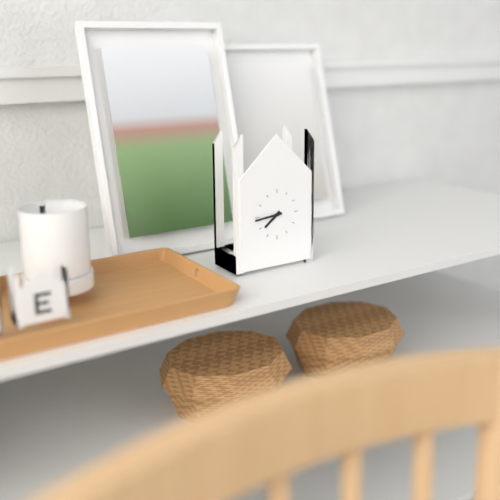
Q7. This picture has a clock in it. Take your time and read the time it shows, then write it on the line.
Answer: 7:44
